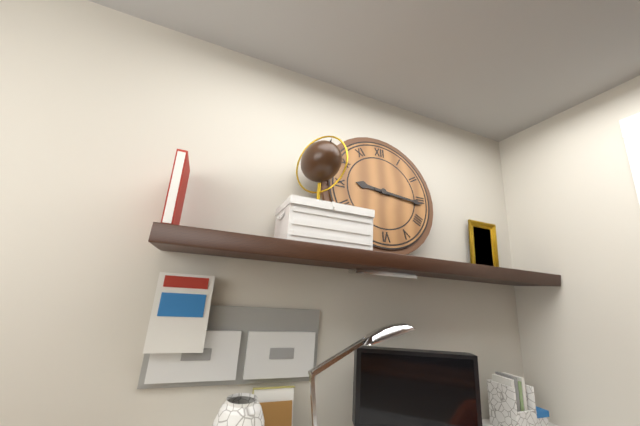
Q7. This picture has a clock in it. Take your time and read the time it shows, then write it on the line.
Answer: 9:16
